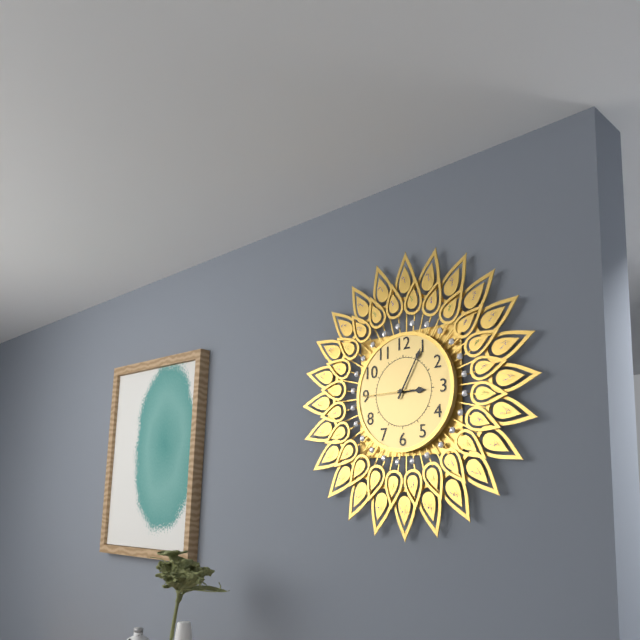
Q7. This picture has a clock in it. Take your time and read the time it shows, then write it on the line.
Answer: 3:05:45
